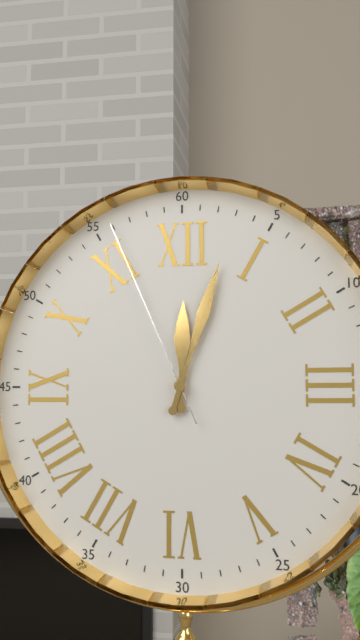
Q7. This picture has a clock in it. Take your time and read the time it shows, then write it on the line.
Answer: 12:03:56
